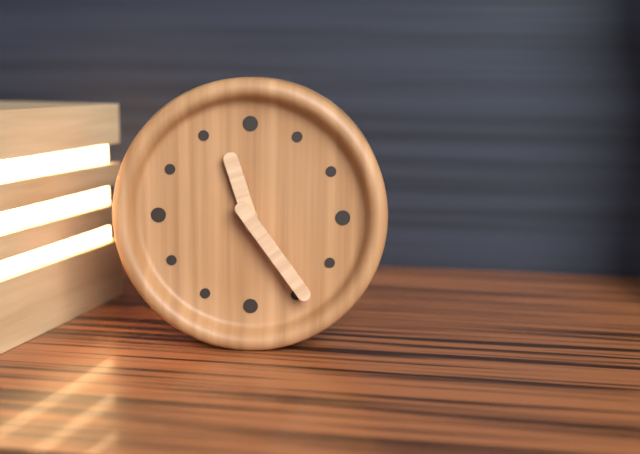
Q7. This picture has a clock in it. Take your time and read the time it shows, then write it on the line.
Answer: 11:24
